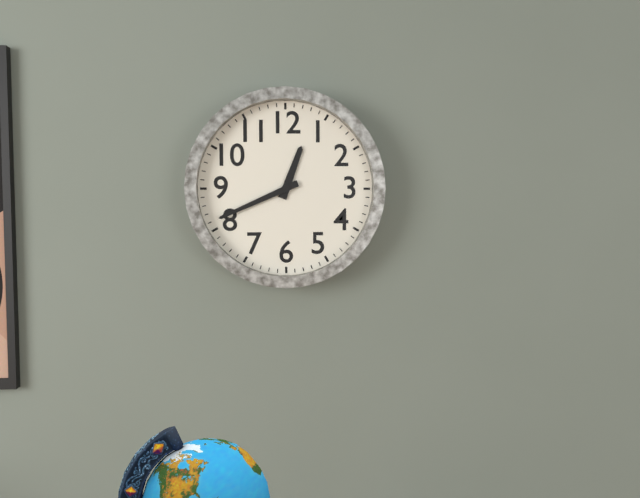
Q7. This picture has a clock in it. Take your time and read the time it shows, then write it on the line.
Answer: 12:41
